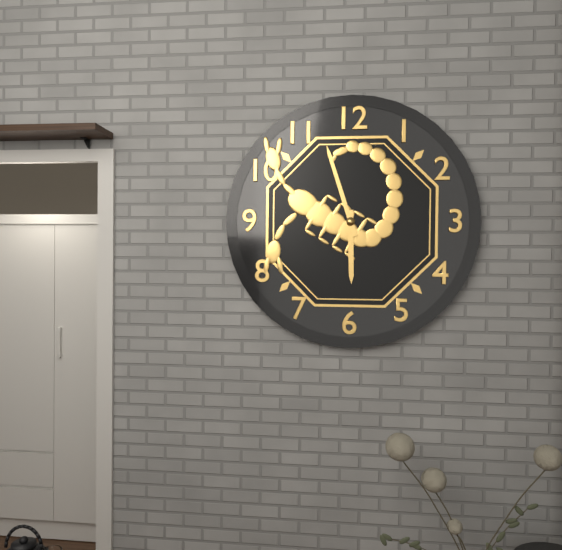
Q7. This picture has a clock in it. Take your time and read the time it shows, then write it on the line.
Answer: 5:57
